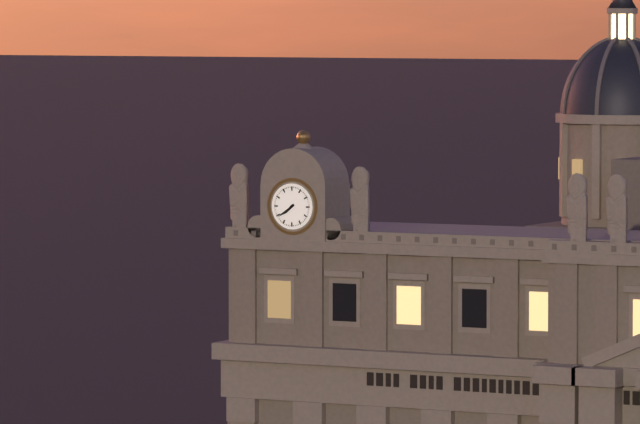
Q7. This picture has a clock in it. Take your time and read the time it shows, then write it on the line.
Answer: 7:39
